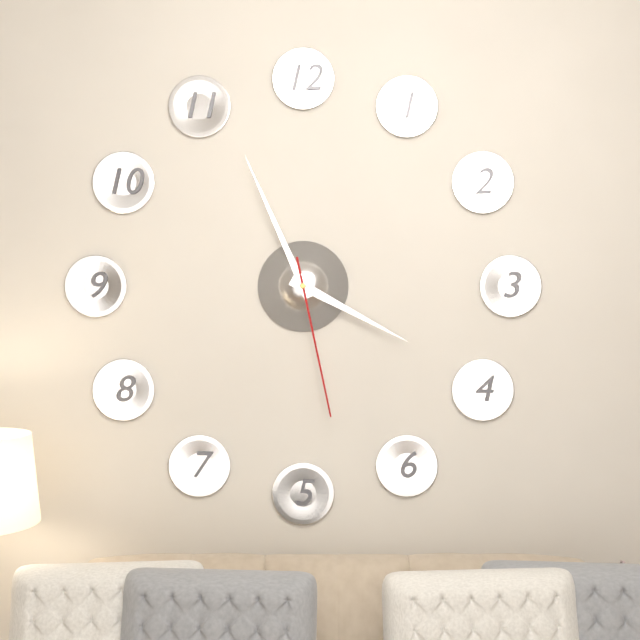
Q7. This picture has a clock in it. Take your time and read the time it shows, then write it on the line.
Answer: 3:56:28
